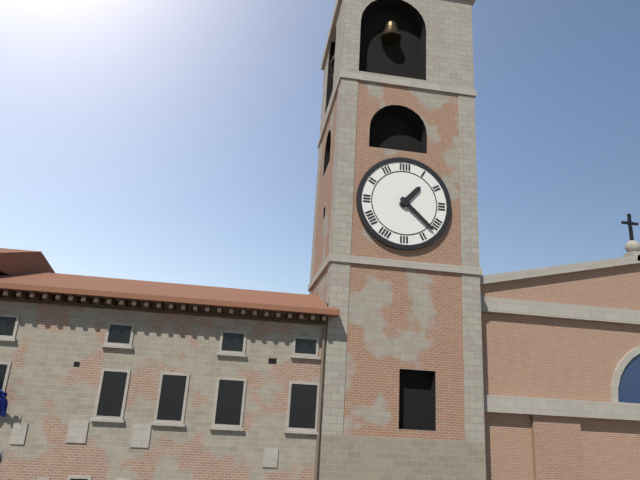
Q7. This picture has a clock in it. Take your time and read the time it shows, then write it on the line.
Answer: 1:22
